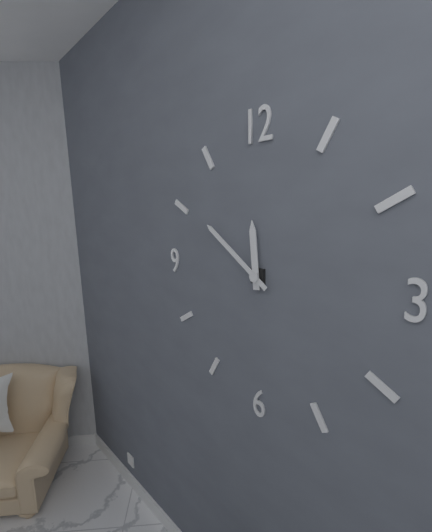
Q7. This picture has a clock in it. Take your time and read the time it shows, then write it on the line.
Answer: 11:51
